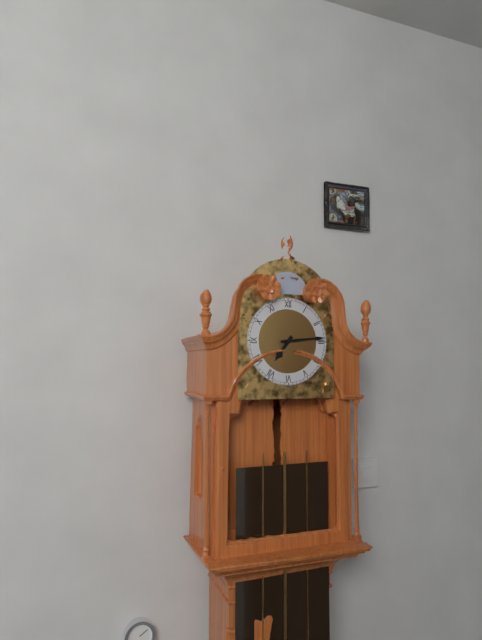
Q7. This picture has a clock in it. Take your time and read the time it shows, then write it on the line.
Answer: 7:14
